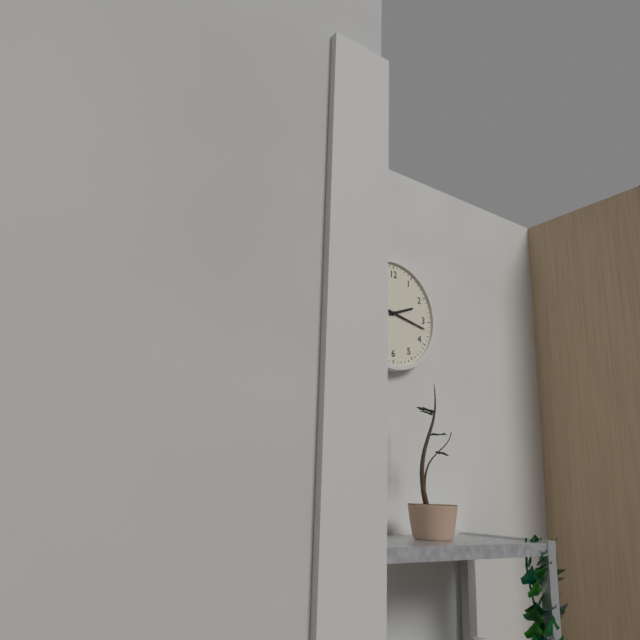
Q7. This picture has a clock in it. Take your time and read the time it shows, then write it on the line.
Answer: 2:17
